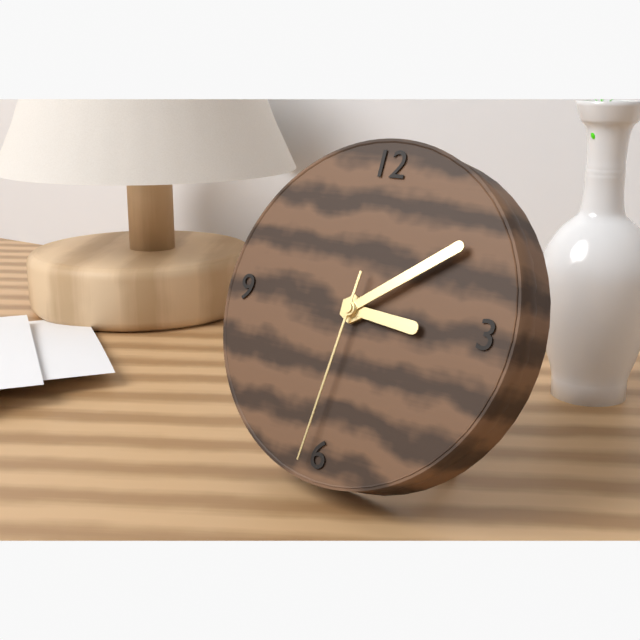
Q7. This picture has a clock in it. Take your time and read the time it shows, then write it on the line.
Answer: 3:09:31
